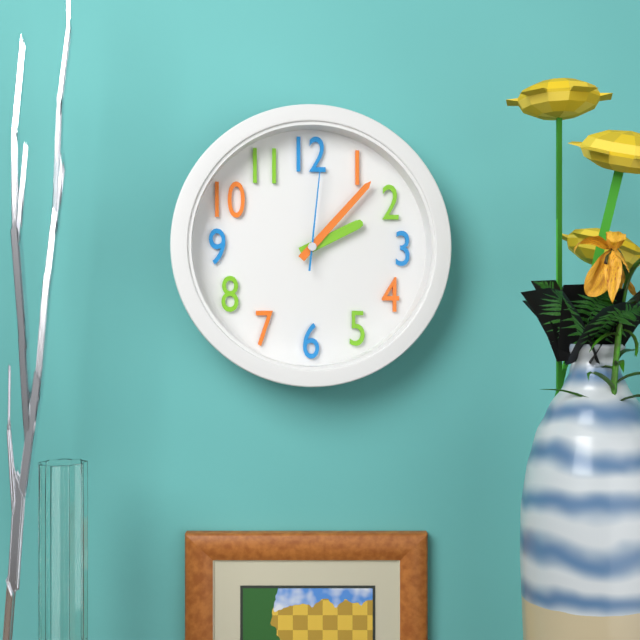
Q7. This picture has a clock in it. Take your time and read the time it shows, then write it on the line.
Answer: 2:07:01
